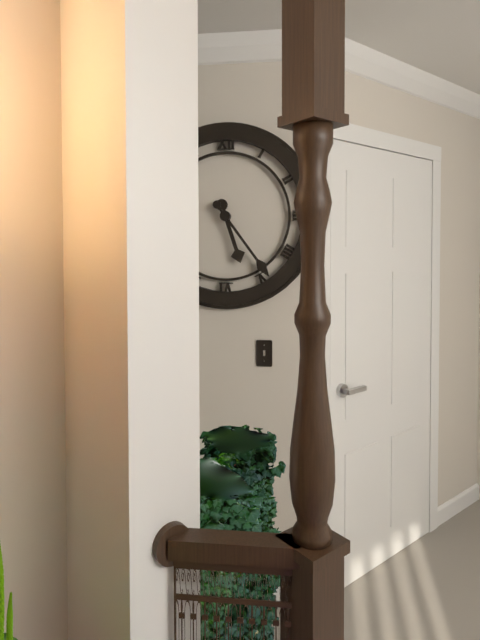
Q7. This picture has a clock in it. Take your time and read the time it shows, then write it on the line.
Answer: 5:24
